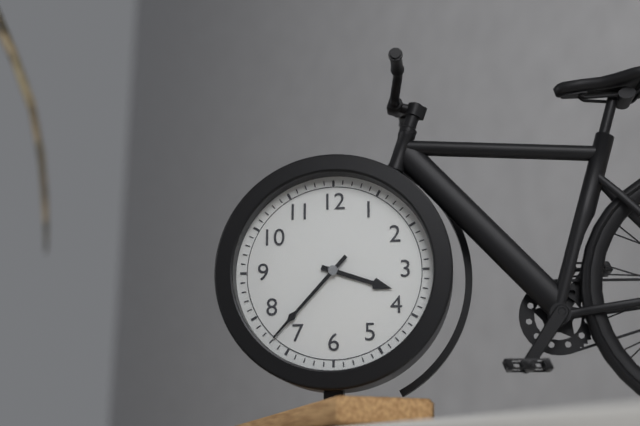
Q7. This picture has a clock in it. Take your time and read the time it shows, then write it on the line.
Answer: 3:37
